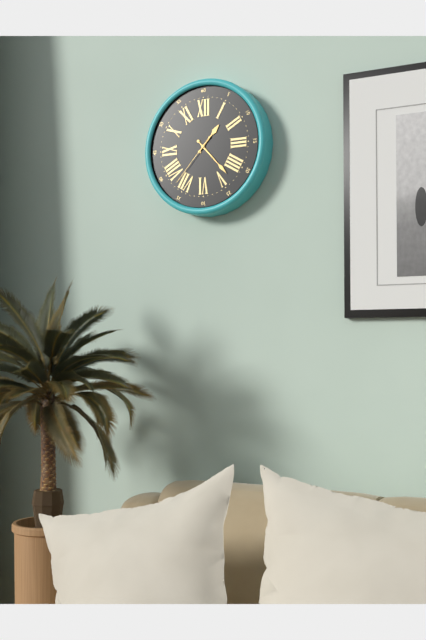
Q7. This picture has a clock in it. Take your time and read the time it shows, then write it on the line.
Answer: 1:23:37
